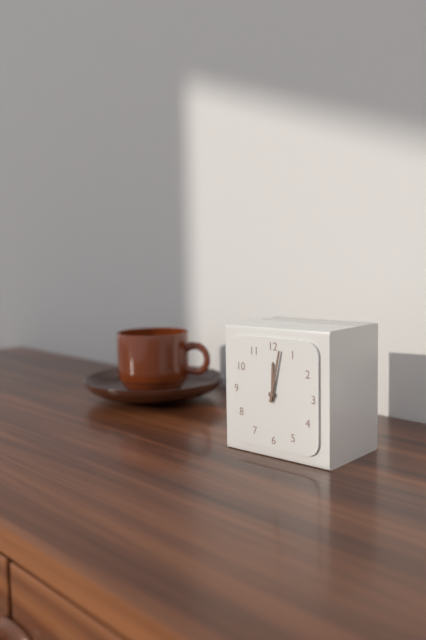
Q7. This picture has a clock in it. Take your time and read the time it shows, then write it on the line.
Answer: 12:02
